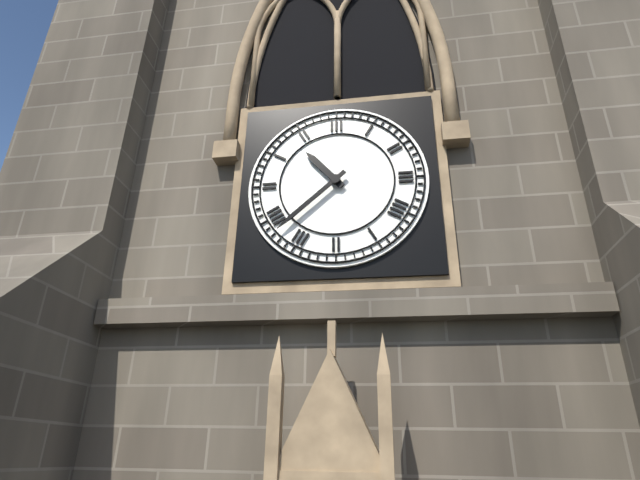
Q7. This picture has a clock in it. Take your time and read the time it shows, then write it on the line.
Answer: 10:38
